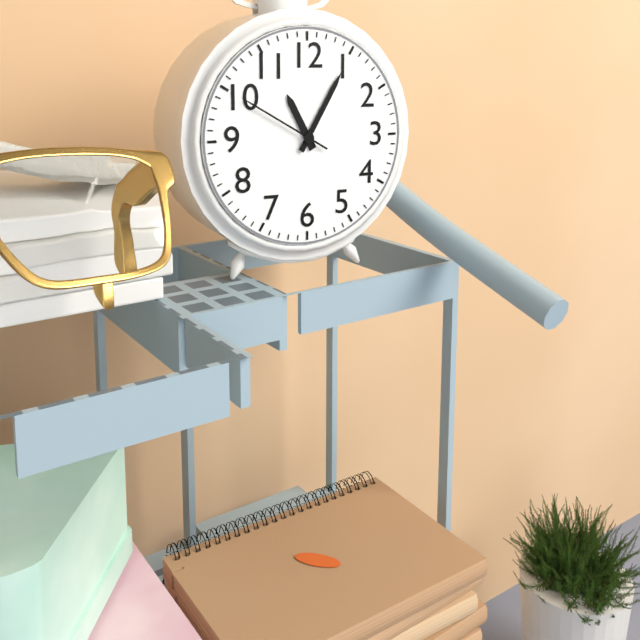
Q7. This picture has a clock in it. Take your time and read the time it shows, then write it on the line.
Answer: 11:05:50
